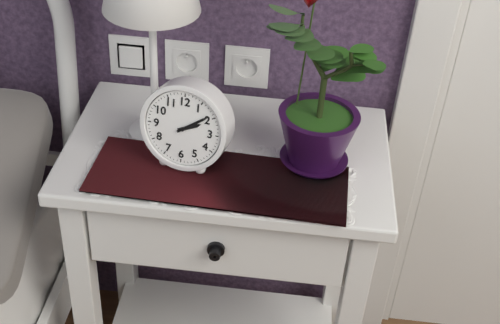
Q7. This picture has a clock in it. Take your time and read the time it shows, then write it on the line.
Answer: 2:09
